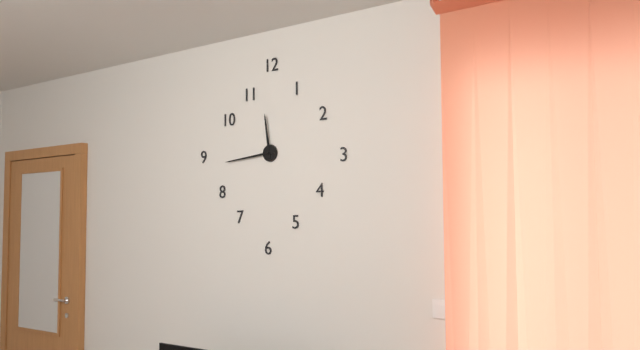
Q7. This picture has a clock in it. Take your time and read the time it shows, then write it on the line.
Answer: 11:44
